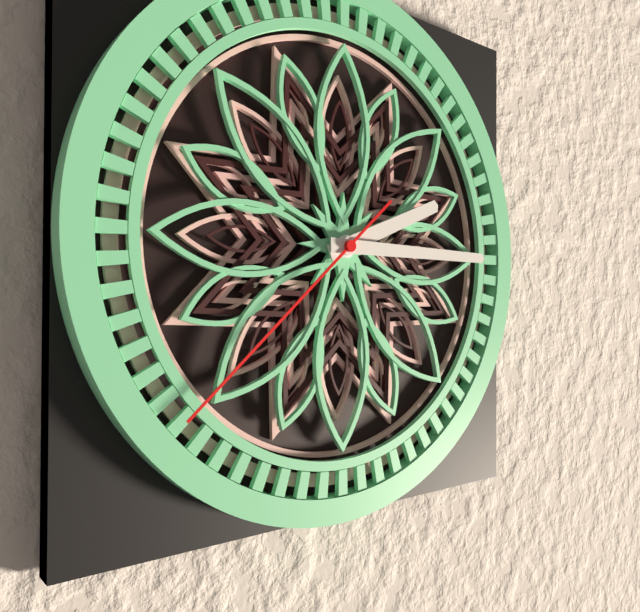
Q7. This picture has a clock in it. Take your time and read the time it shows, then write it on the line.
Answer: 2:15:38
